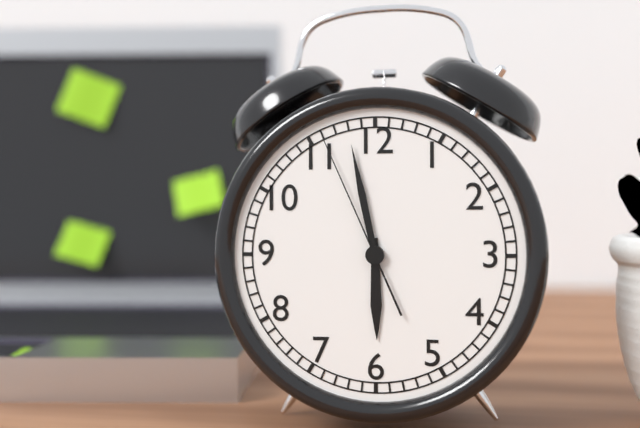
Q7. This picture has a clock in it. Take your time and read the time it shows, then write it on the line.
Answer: 5:58:56
